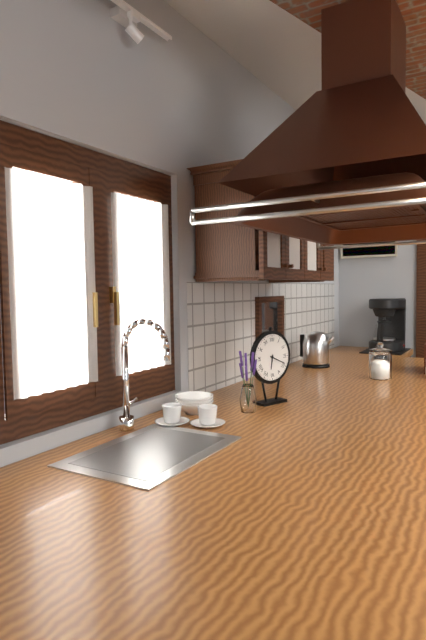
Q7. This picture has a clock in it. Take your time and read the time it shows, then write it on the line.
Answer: 6:19
